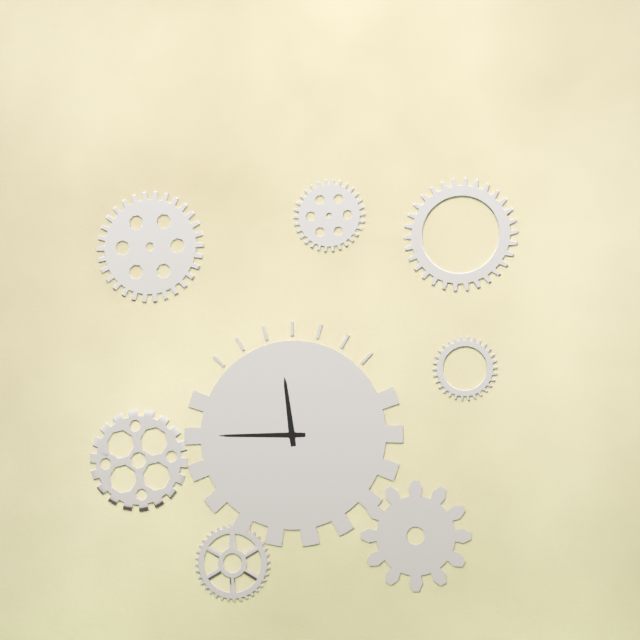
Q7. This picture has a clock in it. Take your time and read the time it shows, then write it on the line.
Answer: 11:45
